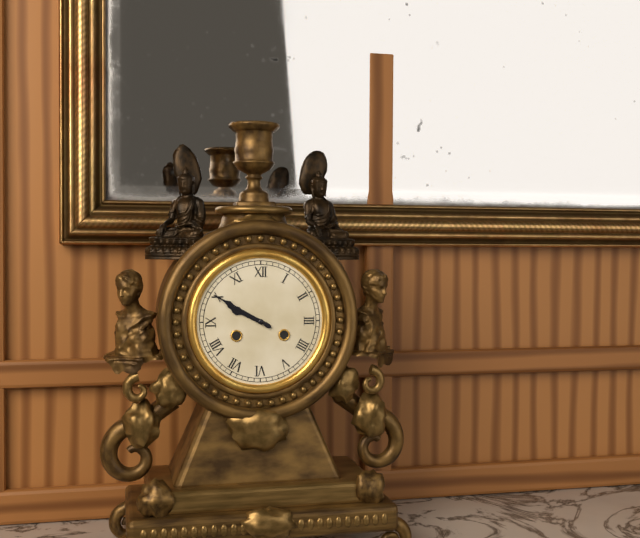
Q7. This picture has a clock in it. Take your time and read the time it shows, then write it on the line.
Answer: 9:50
